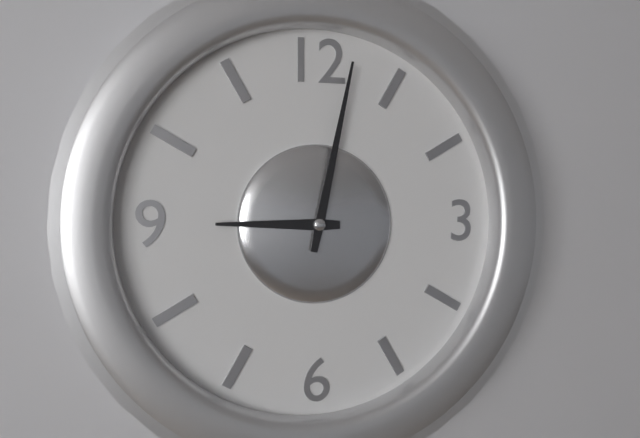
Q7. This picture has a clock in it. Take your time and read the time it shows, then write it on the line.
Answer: 9:02
